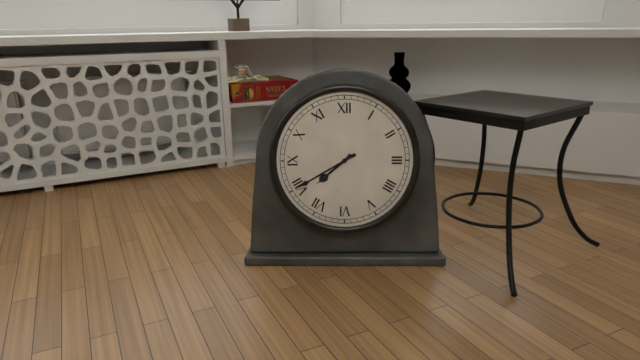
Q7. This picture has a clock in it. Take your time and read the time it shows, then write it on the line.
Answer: 7:40
